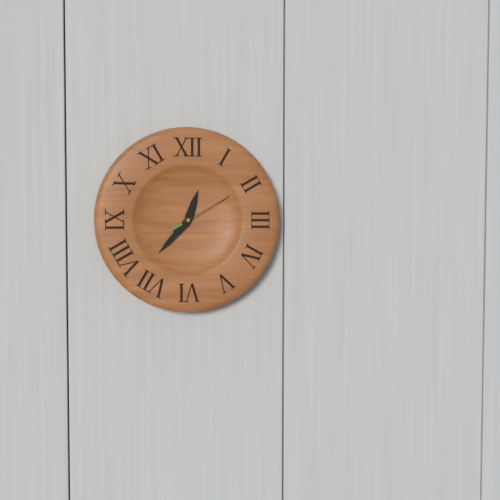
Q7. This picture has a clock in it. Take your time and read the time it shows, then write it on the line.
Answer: 12:37:10
